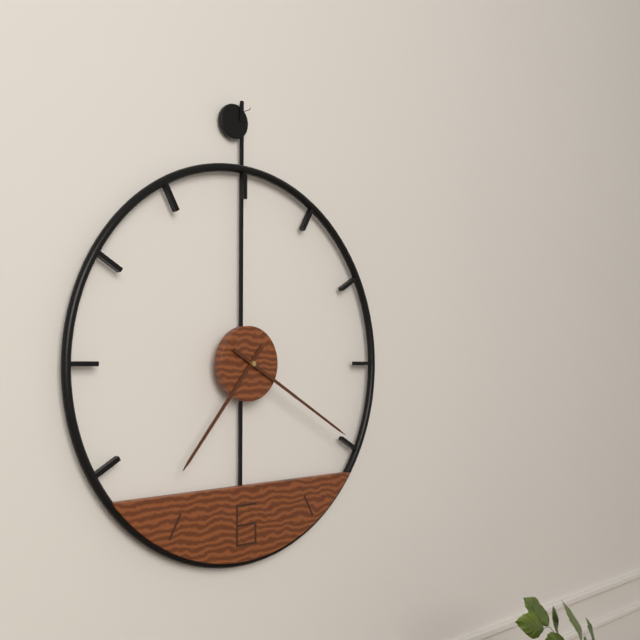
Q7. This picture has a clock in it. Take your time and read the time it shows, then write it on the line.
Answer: 7:20
